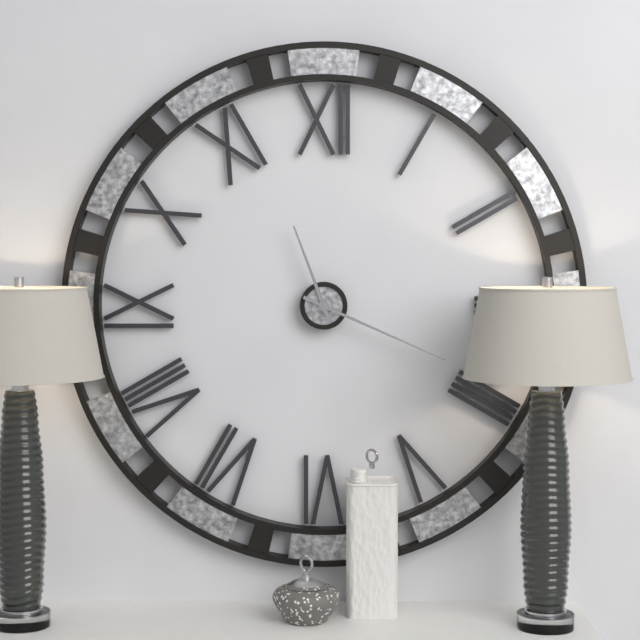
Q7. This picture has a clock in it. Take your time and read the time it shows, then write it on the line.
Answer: 11:19
